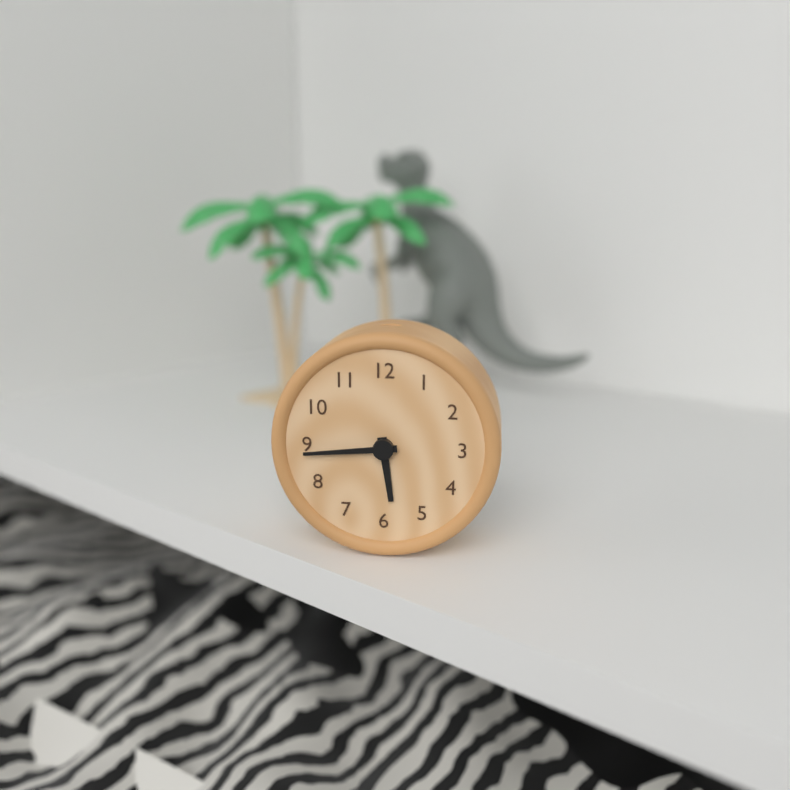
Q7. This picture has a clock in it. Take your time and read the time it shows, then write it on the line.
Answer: 5:44
